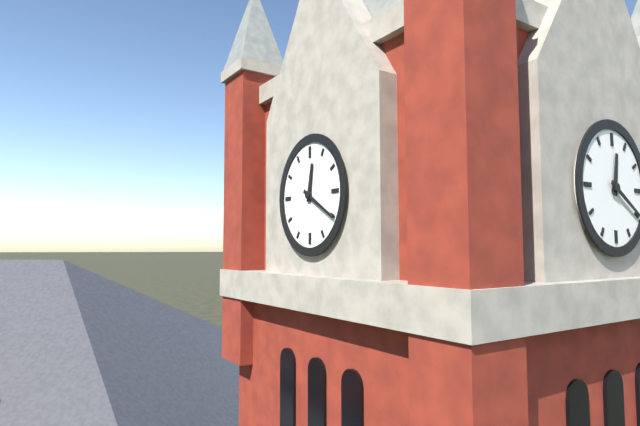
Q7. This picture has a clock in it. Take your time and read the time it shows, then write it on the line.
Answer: 12:20
